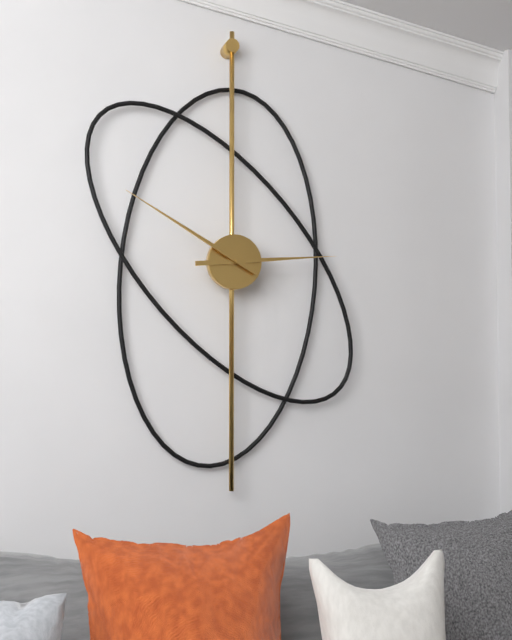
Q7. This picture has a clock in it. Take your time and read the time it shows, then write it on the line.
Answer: 2:50
